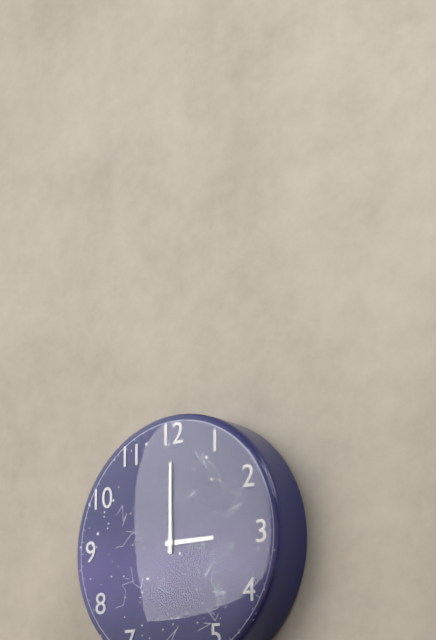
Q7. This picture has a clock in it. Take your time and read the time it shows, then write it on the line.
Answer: 3:00
